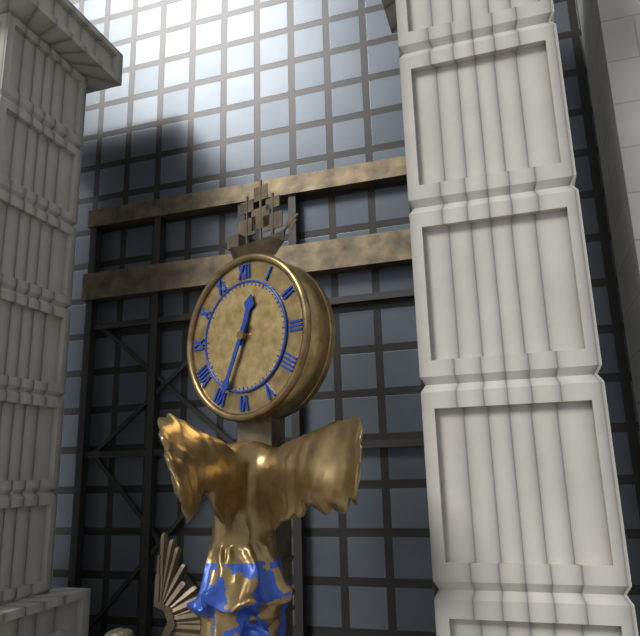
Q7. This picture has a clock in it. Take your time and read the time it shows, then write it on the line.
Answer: 12:34
